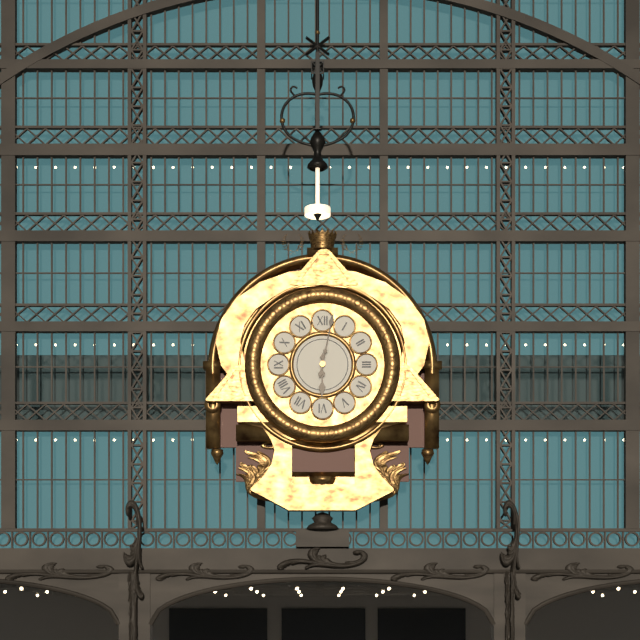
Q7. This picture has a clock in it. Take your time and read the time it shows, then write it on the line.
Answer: 6:02
